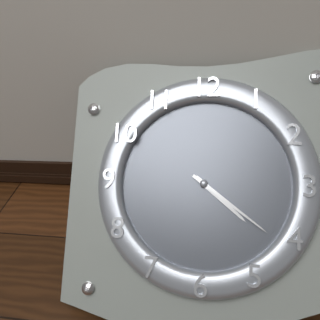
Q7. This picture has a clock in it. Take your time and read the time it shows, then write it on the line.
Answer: 4:21
